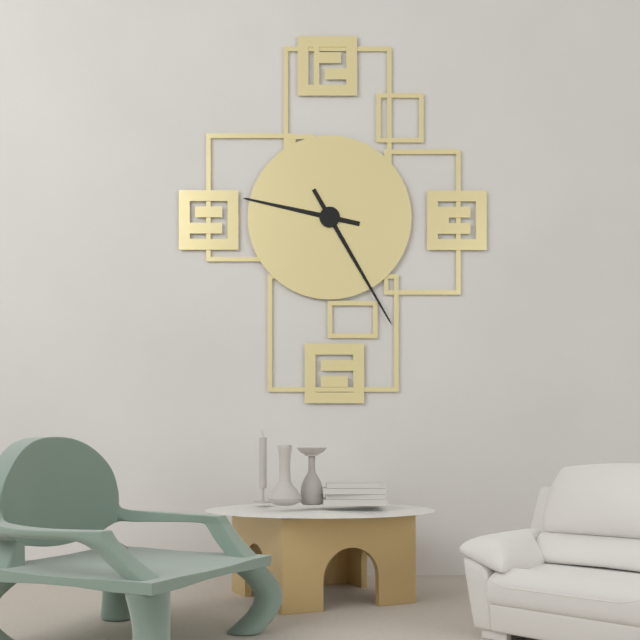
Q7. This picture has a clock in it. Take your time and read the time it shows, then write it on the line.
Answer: 9:25
